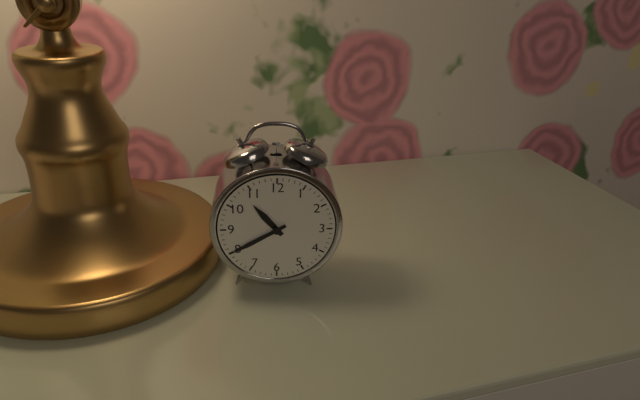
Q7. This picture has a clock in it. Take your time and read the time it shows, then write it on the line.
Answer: 10:40
